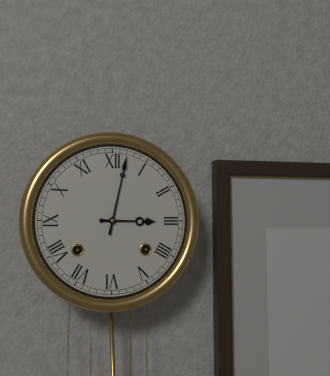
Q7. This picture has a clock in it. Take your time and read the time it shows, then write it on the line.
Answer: 3:02
